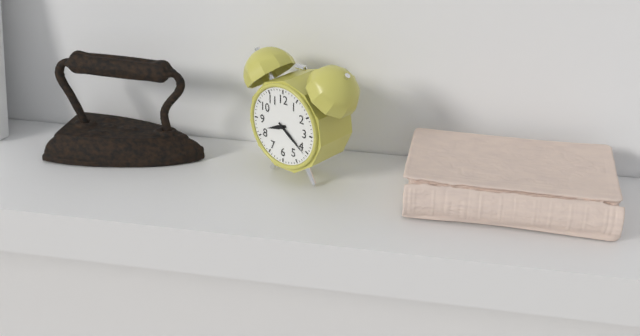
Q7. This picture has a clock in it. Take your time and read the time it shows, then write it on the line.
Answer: 8:21
